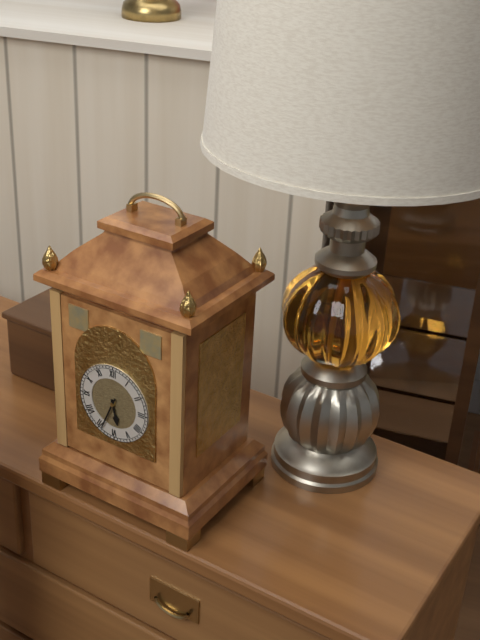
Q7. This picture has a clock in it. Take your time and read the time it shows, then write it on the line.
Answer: 5:34
